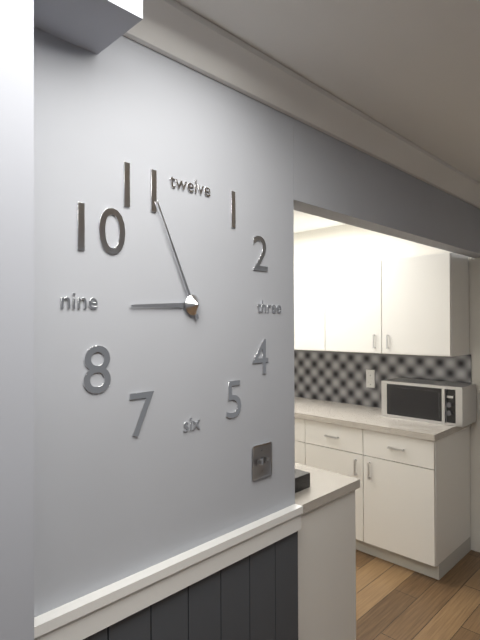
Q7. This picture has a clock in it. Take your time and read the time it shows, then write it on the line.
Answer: 8:56
